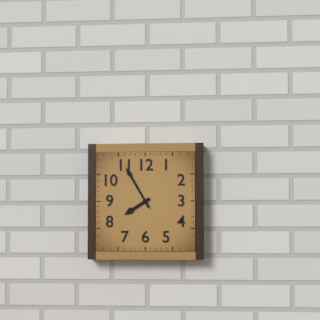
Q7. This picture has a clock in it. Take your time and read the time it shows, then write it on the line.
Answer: 7:55
